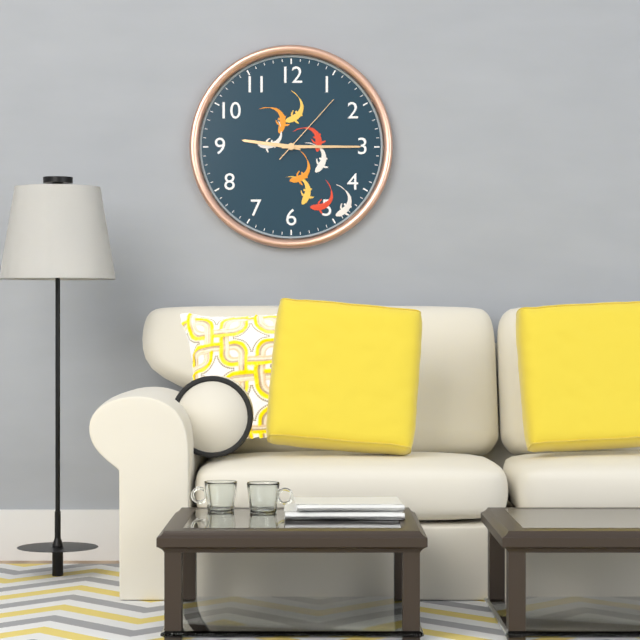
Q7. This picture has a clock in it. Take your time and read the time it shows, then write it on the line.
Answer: 9:15:07
